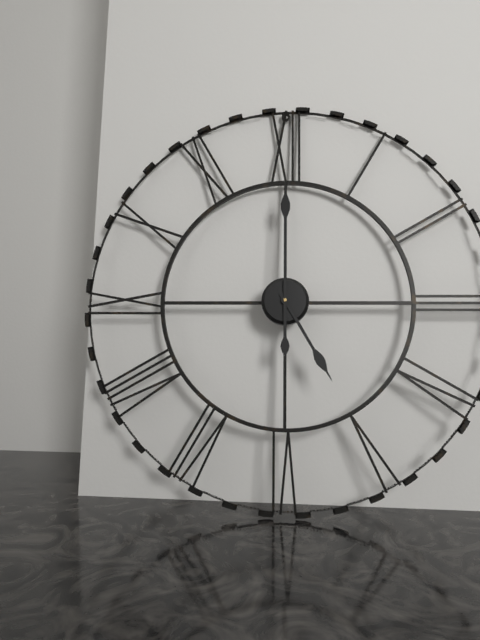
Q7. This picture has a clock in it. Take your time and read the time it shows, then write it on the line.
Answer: 5:00
